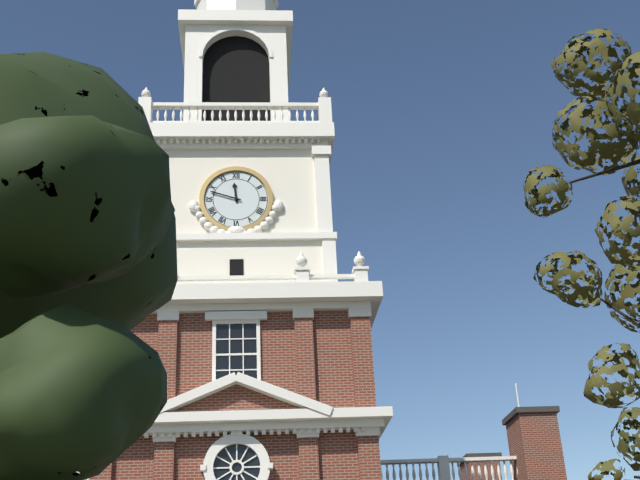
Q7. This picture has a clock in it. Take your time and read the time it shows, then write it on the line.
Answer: 11:48
